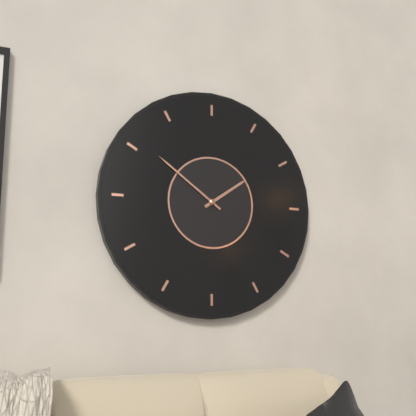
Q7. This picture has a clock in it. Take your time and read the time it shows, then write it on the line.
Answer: 1:51
